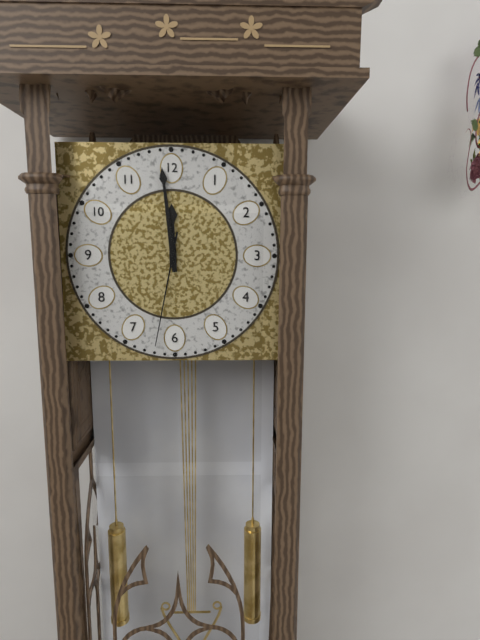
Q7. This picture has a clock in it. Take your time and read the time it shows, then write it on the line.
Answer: 11:59:32
